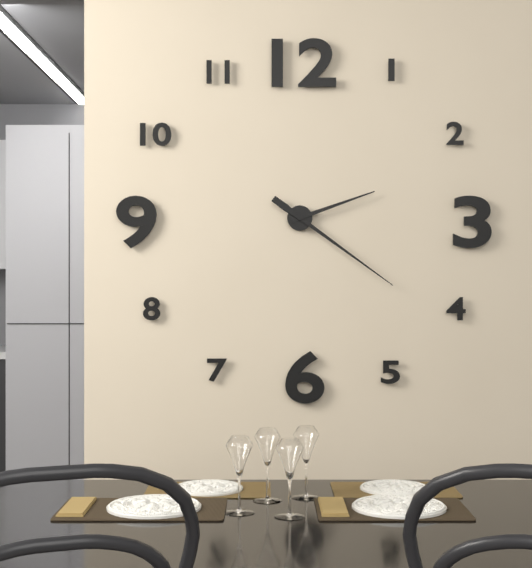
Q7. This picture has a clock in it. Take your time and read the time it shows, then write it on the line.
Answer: 2:21
